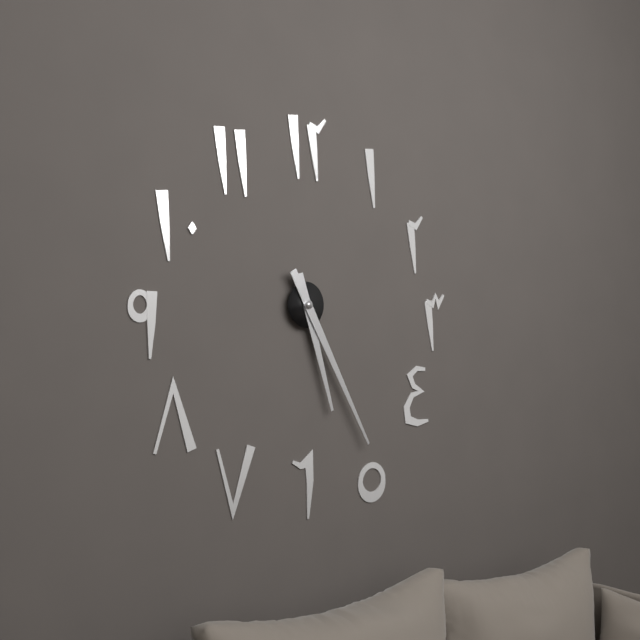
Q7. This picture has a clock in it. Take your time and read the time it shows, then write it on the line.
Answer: 5:25
